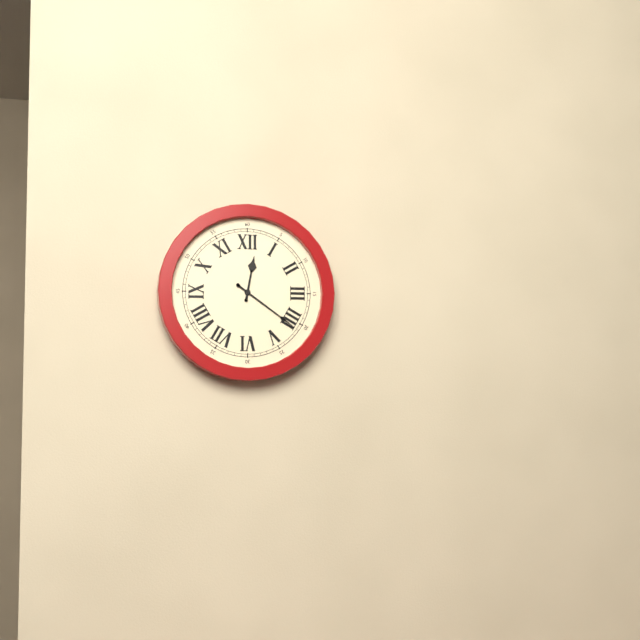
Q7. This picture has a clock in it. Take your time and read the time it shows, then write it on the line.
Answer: 12:21
